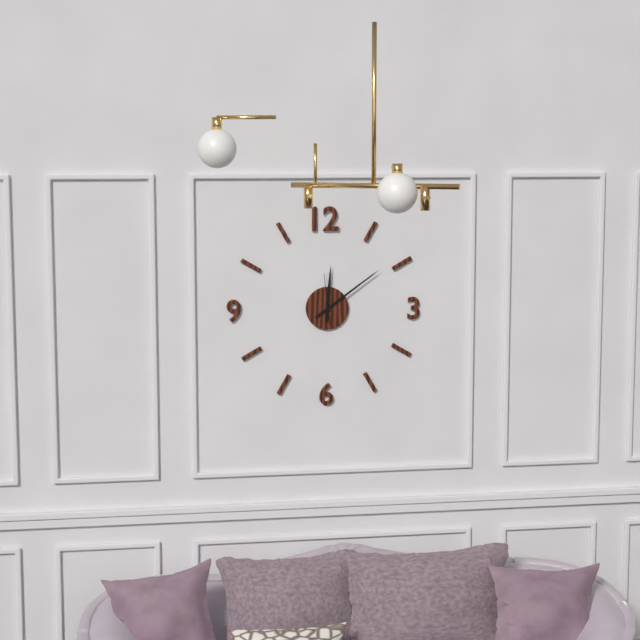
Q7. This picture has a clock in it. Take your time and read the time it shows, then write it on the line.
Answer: 12:09
